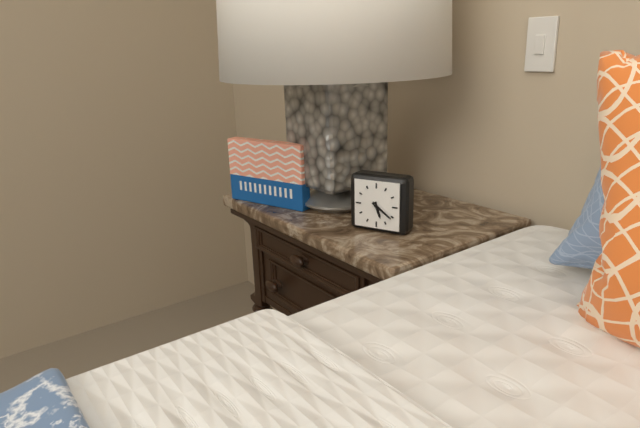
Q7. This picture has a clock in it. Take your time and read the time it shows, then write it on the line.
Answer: 5:21
